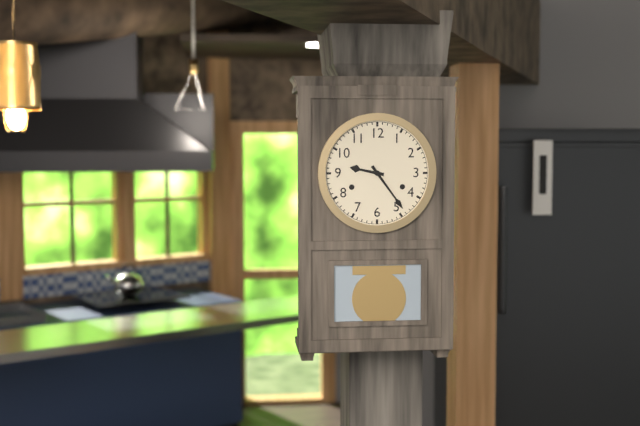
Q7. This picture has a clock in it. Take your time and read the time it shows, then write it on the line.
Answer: 9:24
